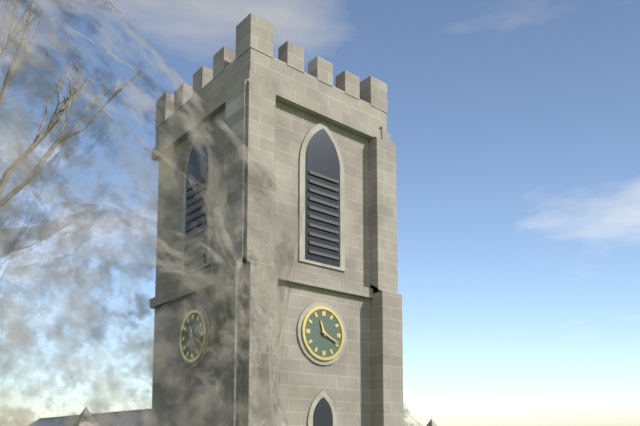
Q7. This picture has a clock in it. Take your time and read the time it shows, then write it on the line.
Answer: 11:19
